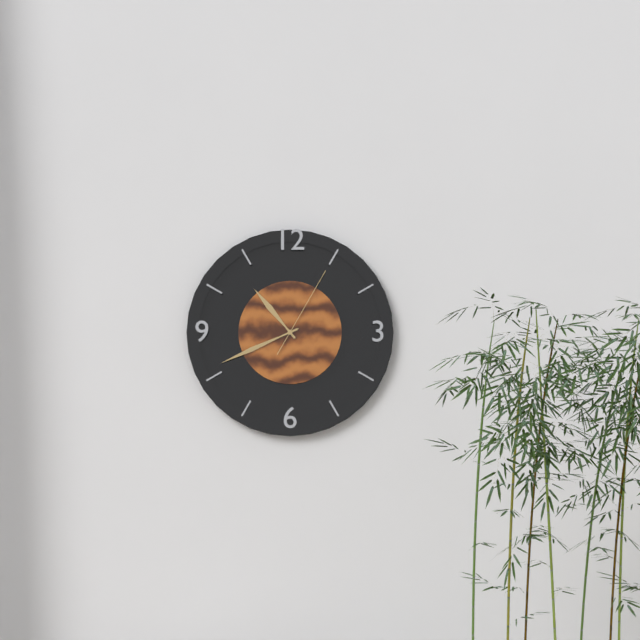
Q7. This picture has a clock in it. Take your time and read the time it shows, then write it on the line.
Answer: 10:41:05
